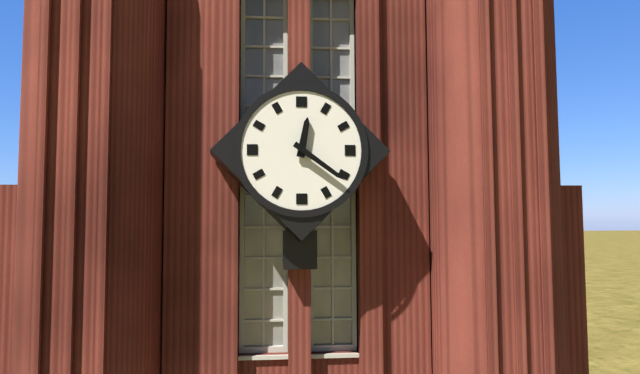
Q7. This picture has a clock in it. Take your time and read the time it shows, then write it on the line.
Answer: 12:21
